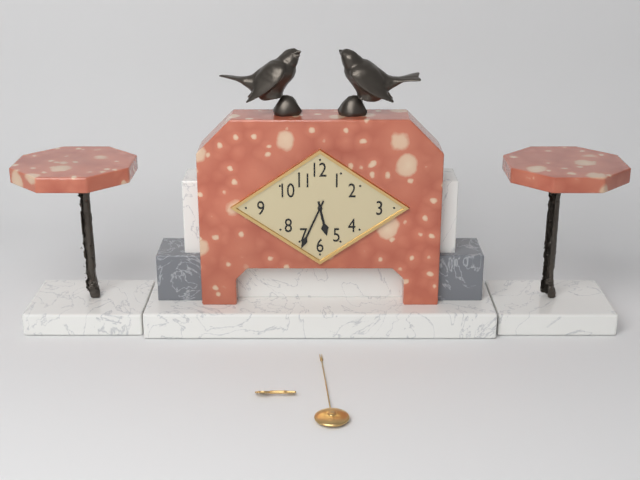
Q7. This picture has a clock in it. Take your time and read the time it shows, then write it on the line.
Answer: 5:34
